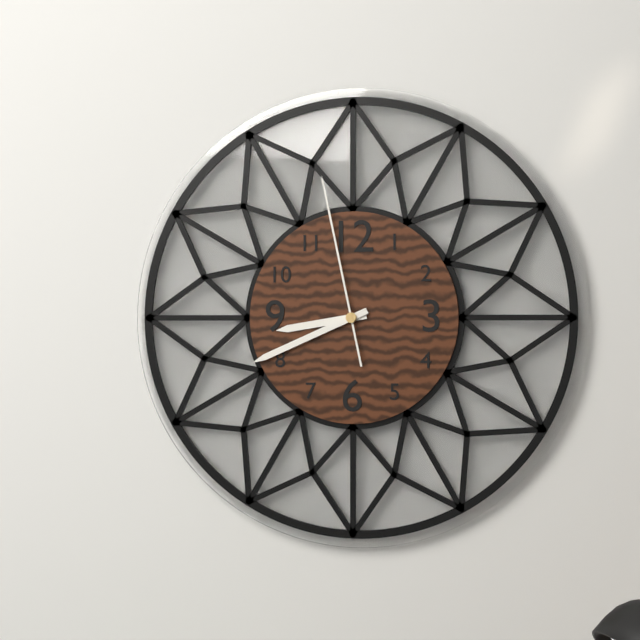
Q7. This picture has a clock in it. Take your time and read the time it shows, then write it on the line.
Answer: 8:41:58
